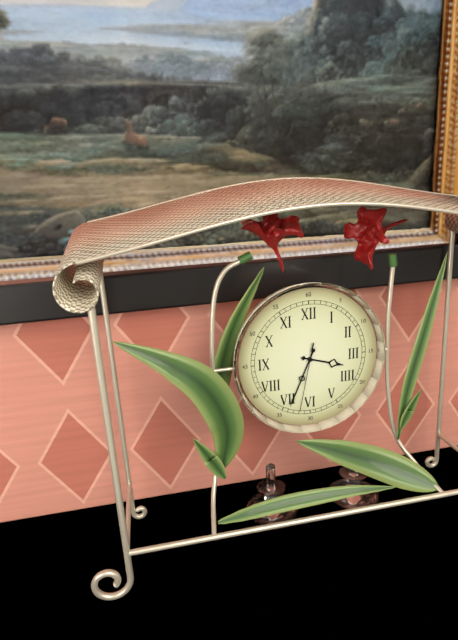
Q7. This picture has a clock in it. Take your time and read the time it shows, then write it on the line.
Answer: 3:34:32
